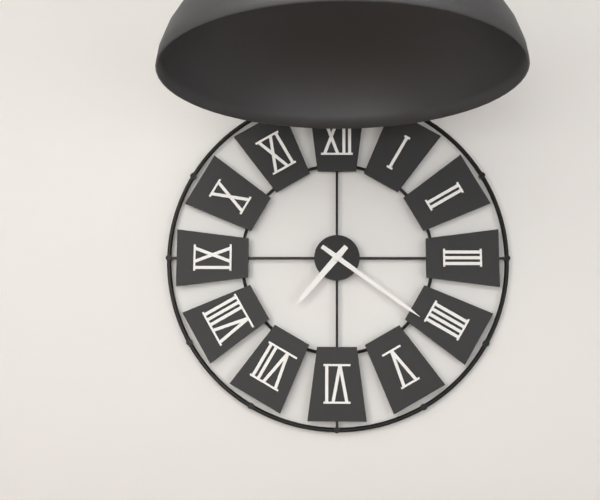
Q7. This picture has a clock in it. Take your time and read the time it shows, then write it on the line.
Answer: 7:21
